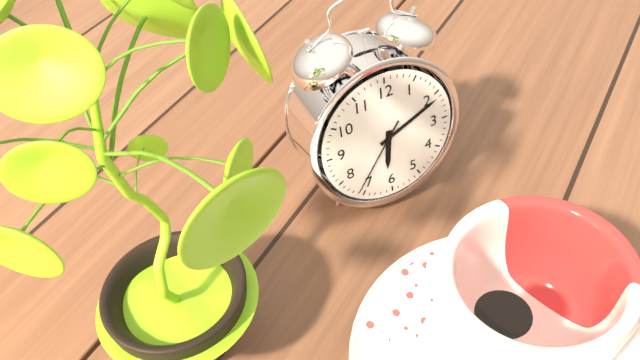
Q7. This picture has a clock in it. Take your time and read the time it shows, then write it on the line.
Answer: 6:11:36
